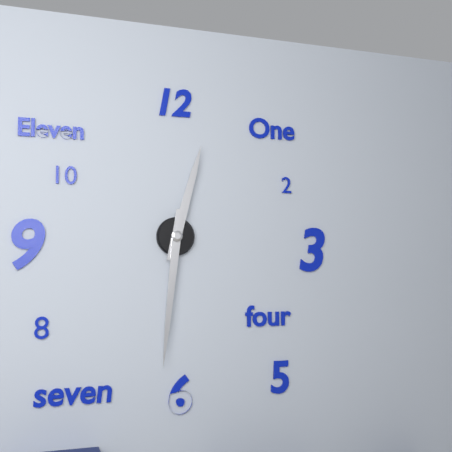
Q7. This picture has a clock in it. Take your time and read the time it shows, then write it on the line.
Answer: 12:31
